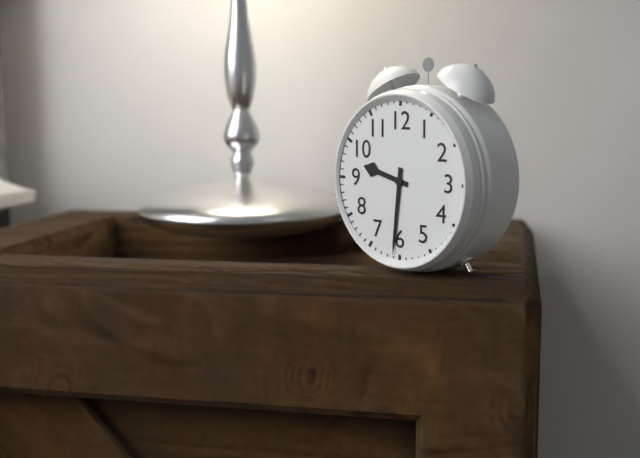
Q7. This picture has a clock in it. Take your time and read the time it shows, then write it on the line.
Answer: 9:31
